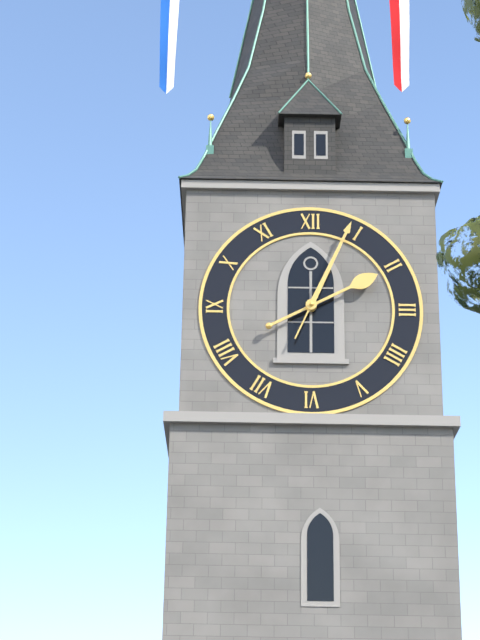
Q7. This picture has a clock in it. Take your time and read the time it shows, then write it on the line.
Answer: 2:04
